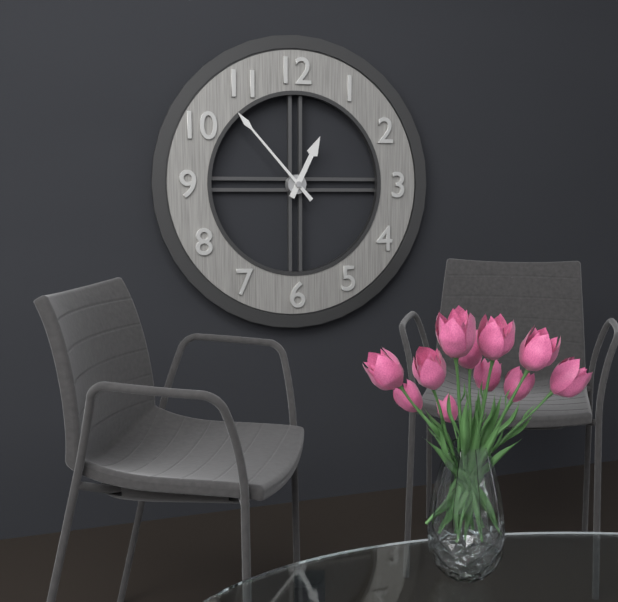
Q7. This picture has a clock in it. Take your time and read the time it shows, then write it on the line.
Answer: 12:53
